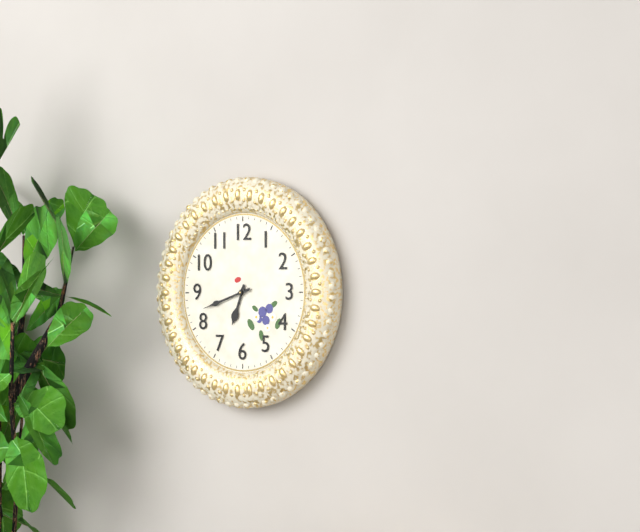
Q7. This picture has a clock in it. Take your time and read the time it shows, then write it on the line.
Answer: 6:42
